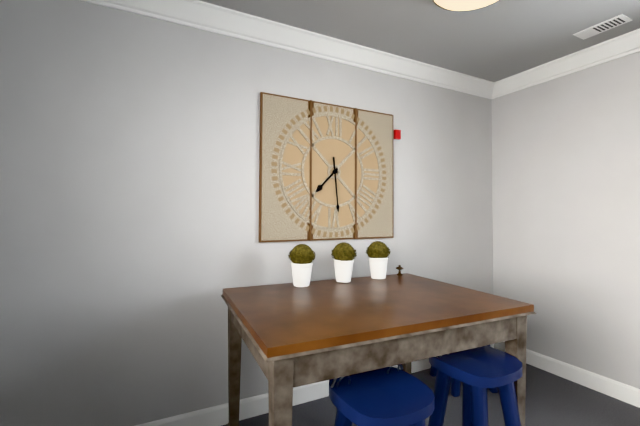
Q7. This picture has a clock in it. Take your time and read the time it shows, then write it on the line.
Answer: 7:29
